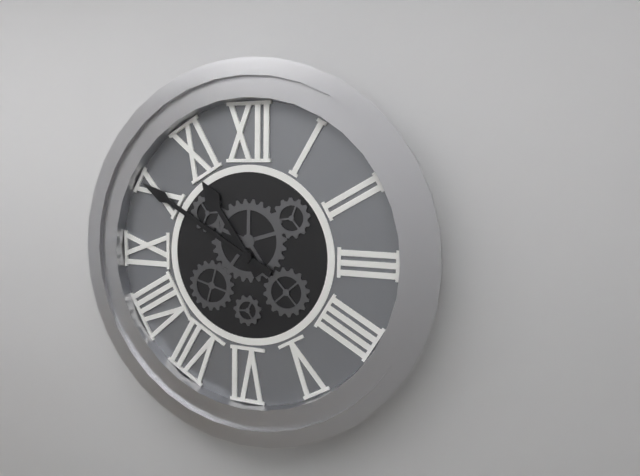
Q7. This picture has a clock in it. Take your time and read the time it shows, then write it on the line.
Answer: 10:50
